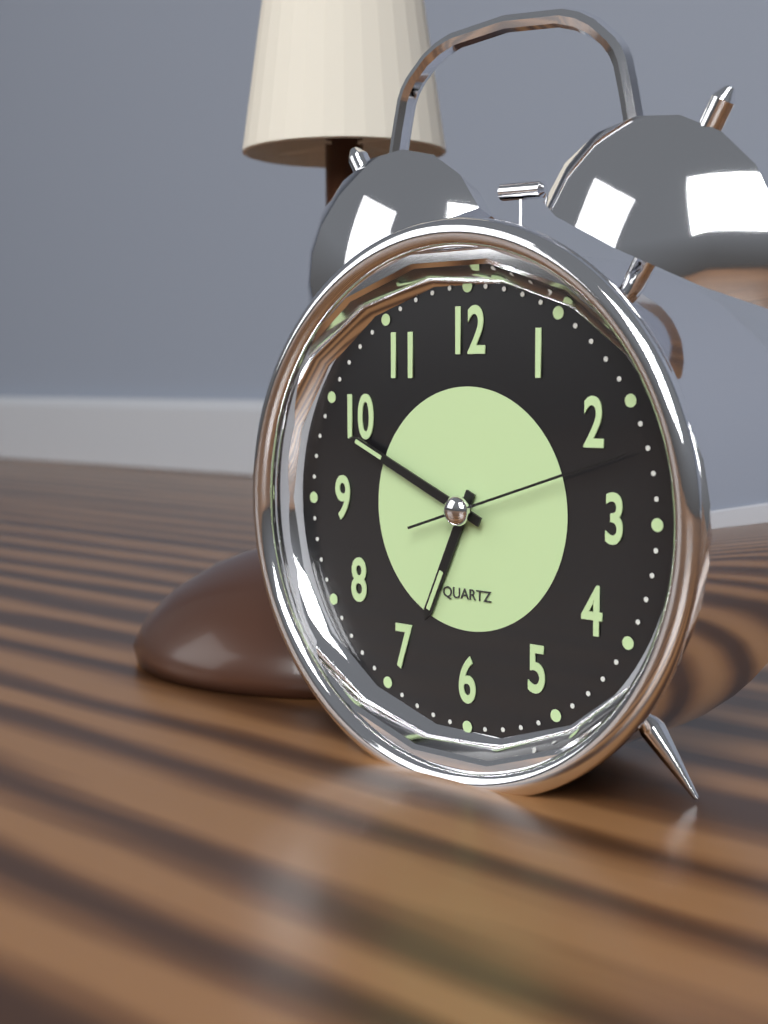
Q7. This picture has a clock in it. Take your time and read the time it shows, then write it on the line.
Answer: 6:49:12
